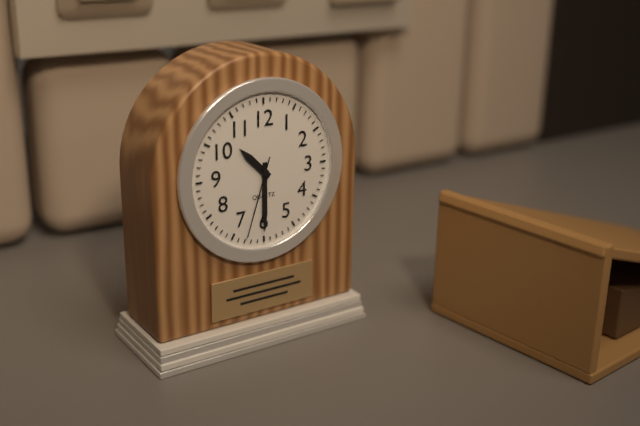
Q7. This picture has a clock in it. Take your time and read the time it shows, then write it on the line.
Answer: 10:30:33
